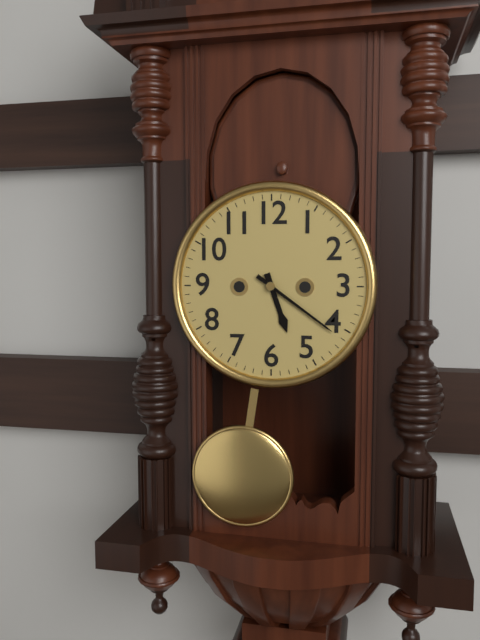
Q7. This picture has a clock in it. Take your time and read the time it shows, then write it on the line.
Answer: 5:21
